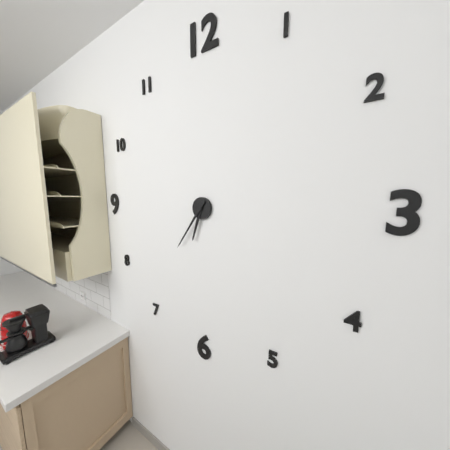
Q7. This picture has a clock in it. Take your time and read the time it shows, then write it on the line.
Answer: 6:36
